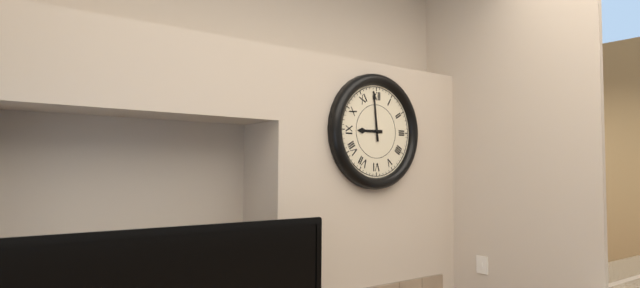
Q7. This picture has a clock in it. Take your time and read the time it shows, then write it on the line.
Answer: 8:59
